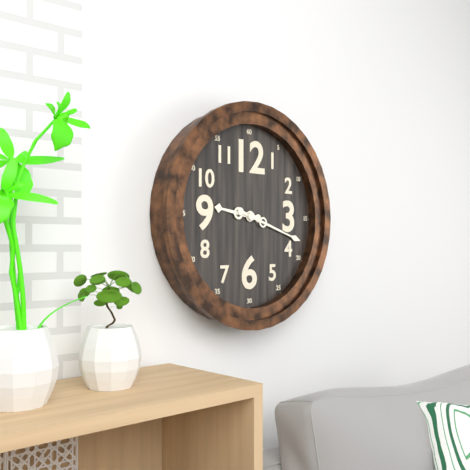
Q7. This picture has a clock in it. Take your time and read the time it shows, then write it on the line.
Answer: 9:18
